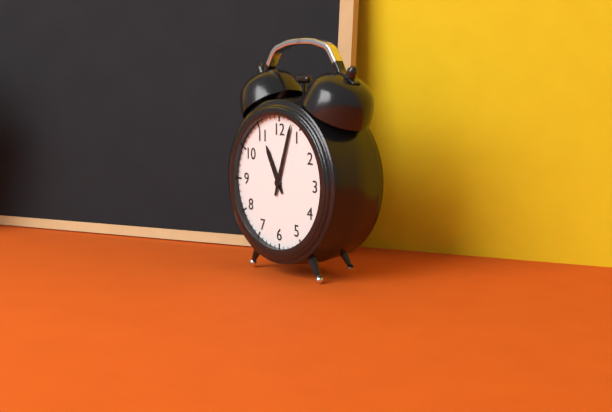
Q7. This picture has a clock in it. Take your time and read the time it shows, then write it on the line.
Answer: 11:03
